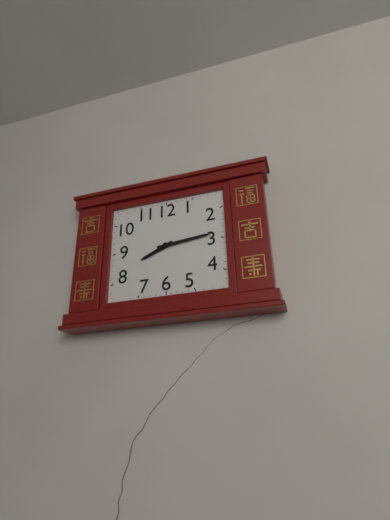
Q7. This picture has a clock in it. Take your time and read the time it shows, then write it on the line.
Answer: 8:14
